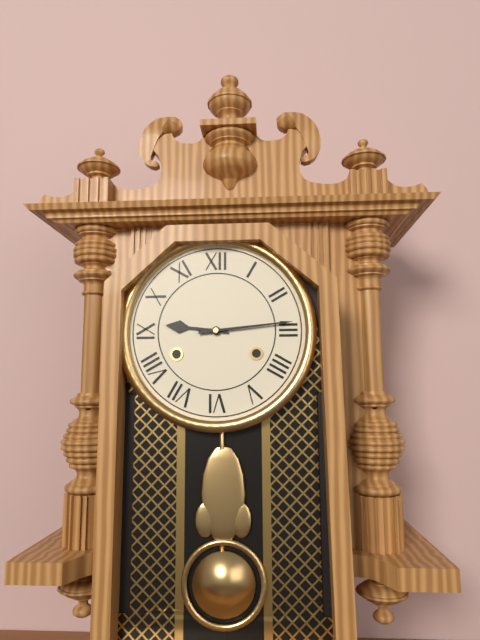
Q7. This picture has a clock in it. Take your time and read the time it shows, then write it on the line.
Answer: 9:14
